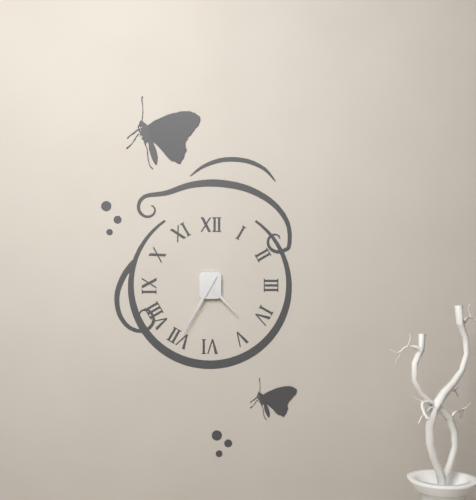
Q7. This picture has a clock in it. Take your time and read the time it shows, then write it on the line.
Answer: 4:35
